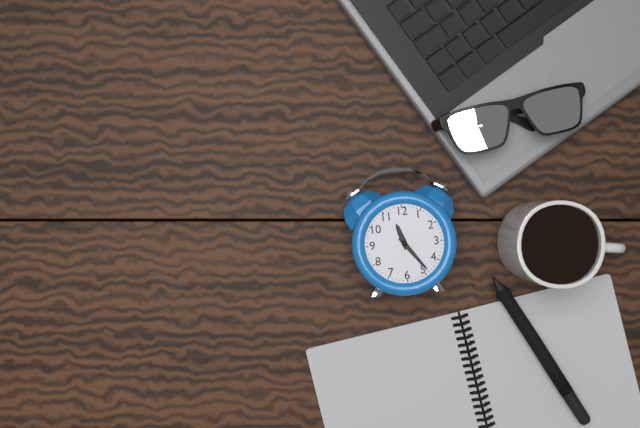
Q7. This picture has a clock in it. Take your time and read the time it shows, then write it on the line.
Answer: 11:24
